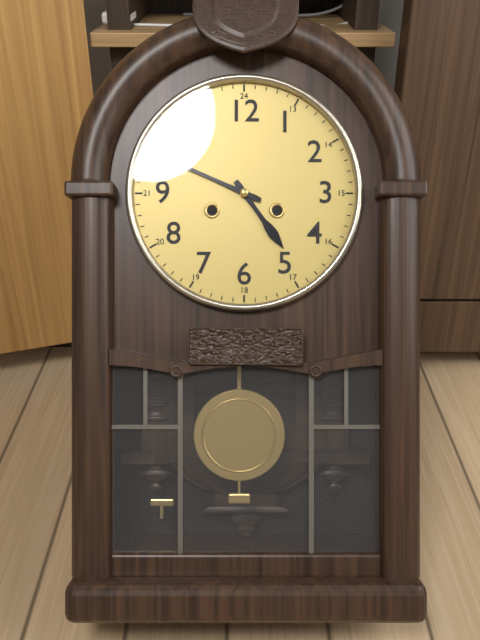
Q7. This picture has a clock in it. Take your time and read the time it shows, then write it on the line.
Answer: 4:49
